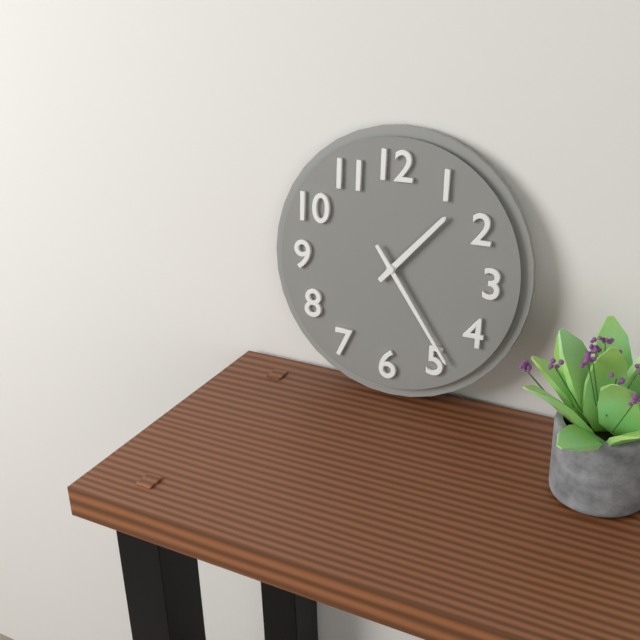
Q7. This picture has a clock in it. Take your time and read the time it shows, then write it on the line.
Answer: 1:24
